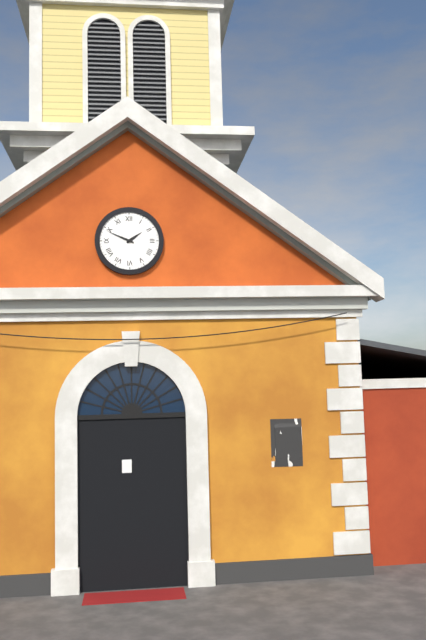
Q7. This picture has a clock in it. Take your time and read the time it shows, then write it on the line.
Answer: 1:49
